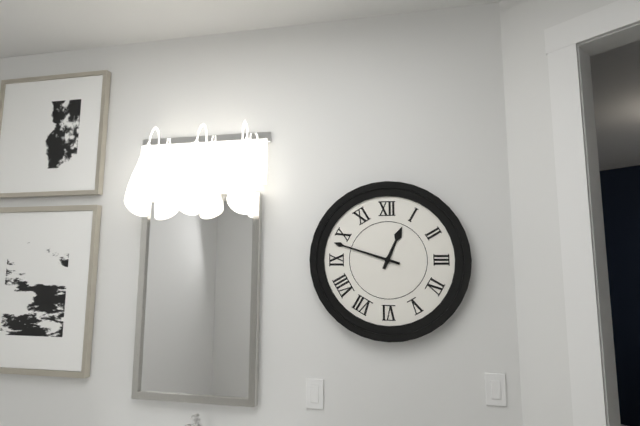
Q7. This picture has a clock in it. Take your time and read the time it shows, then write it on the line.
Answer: 12:48
